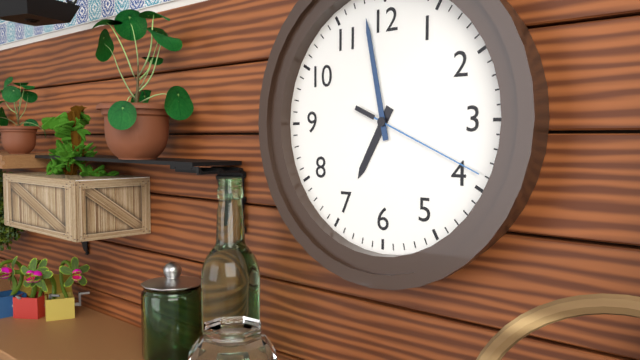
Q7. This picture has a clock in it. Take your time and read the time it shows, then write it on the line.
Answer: 6:58:19
